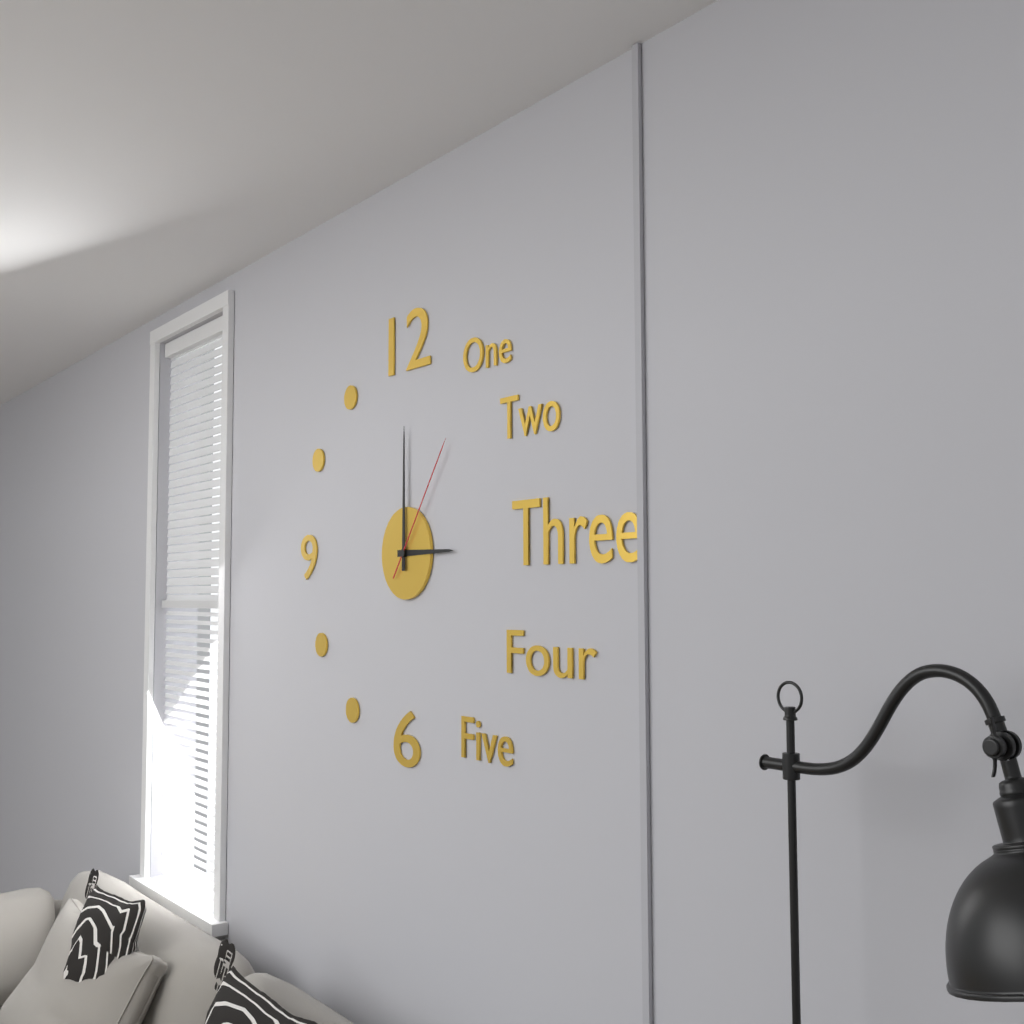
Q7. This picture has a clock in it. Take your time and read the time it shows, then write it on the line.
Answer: 3:00:06
